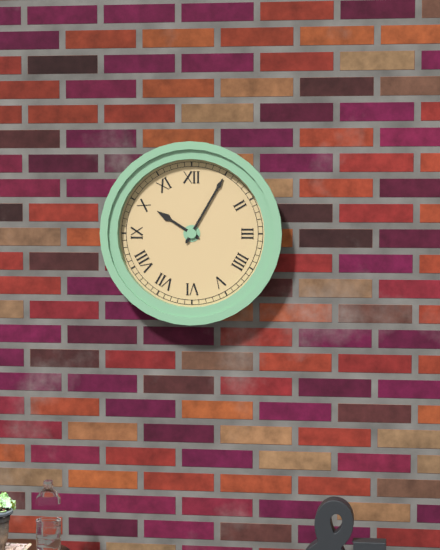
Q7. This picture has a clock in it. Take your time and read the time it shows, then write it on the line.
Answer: 10:05
